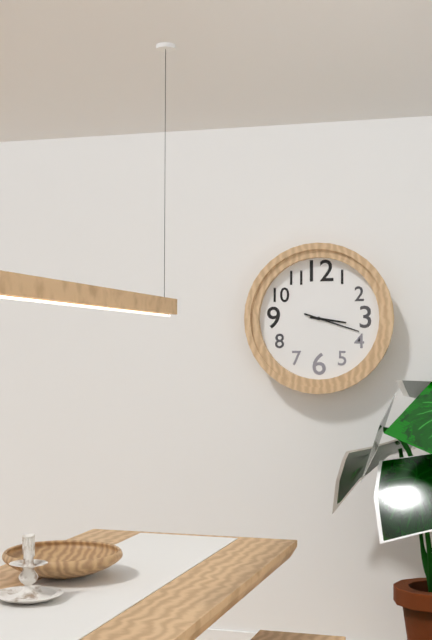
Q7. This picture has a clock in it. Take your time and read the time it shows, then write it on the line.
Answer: 3:18
